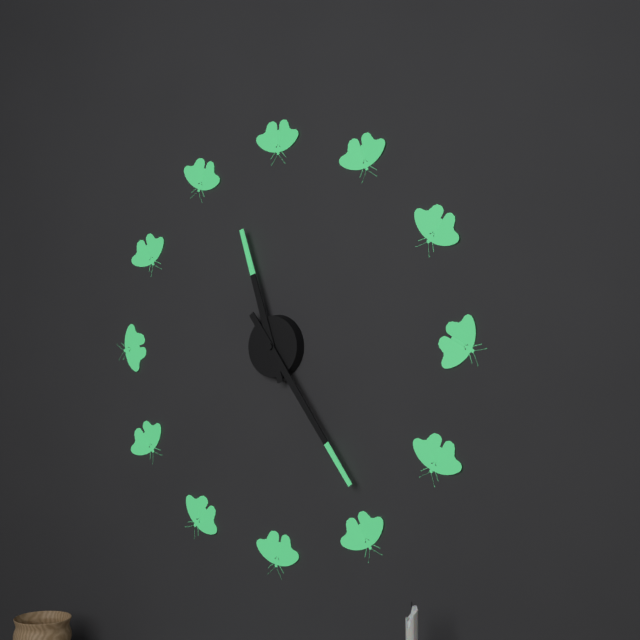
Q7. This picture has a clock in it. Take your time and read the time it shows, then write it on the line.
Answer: 11:24
